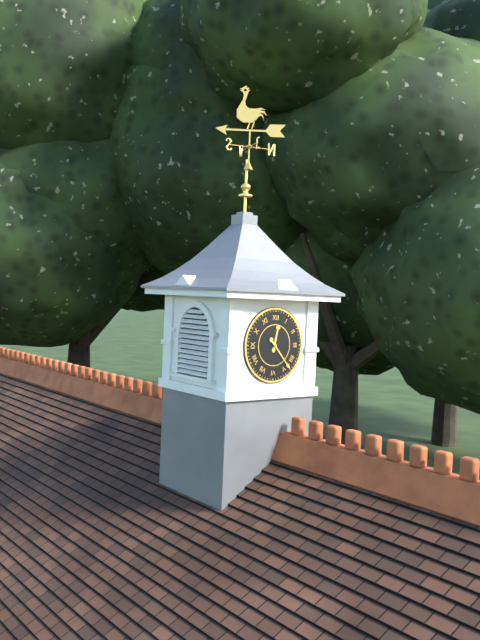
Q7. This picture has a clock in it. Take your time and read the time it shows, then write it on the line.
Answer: 12:23
